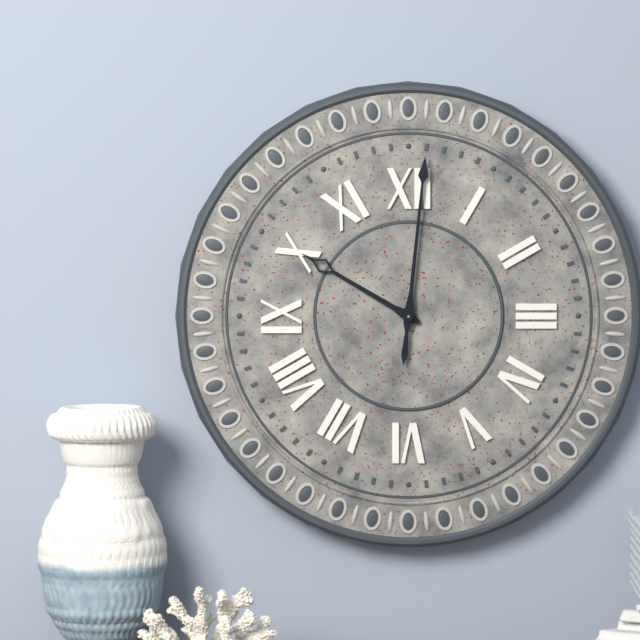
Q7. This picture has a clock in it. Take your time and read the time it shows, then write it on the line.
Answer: 10:01
